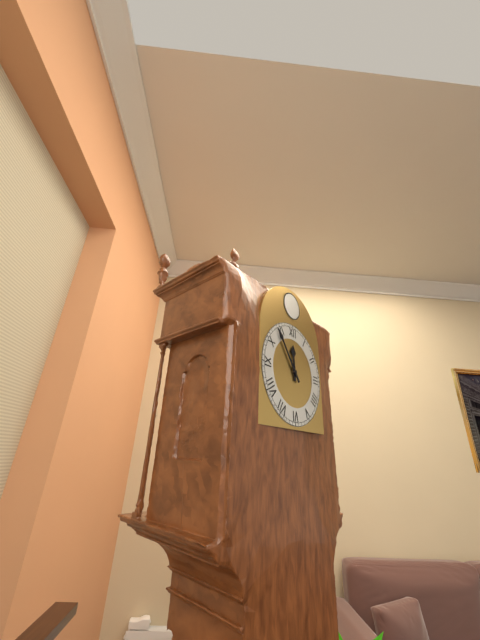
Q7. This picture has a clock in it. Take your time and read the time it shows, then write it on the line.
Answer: 11:54
